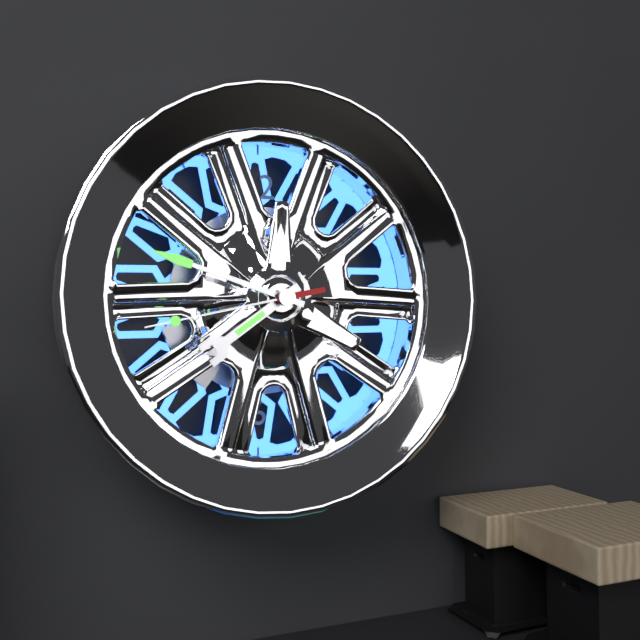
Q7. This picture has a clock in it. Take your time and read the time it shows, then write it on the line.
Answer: 7:48:43
